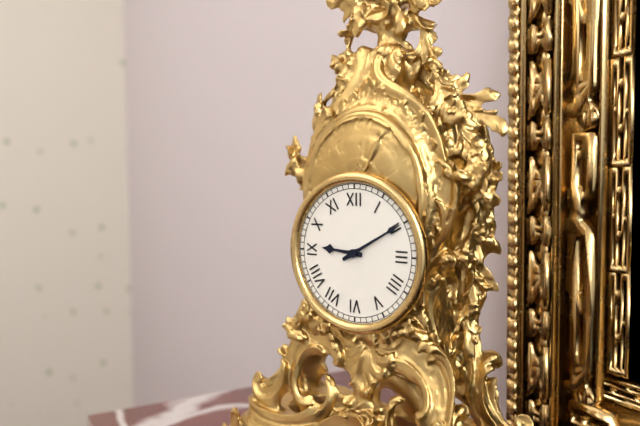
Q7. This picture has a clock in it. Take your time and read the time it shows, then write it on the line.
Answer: 9:10
